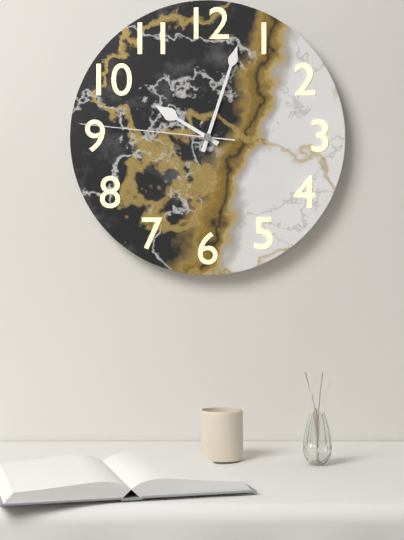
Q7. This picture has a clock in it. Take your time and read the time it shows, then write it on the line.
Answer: 10:03:46
